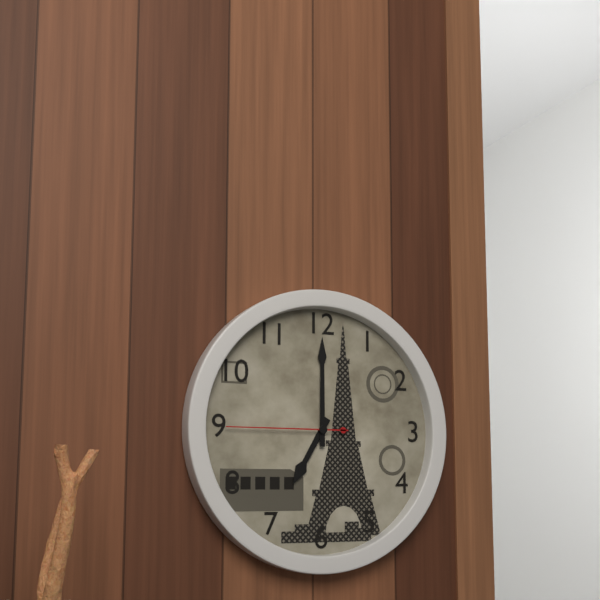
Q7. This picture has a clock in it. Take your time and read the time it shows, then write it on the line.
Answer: 7:00:45
